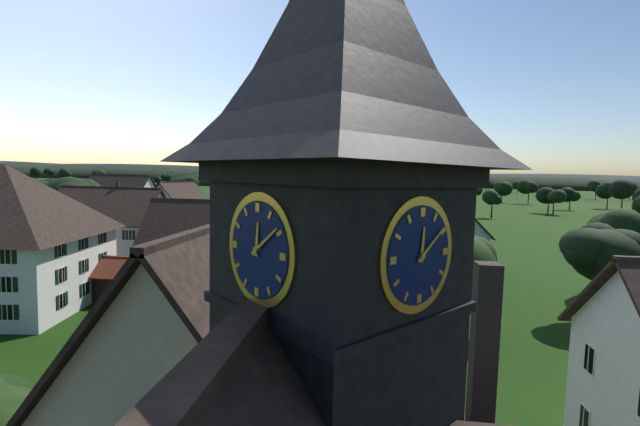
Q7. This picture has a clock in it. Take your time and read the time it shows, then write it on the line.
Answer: 12:09
